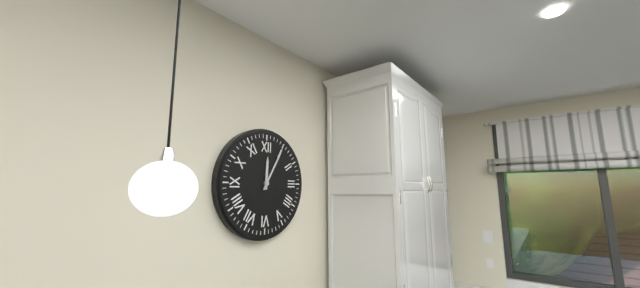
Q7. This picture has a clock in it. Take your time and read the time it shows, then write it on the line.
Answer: 12:05
